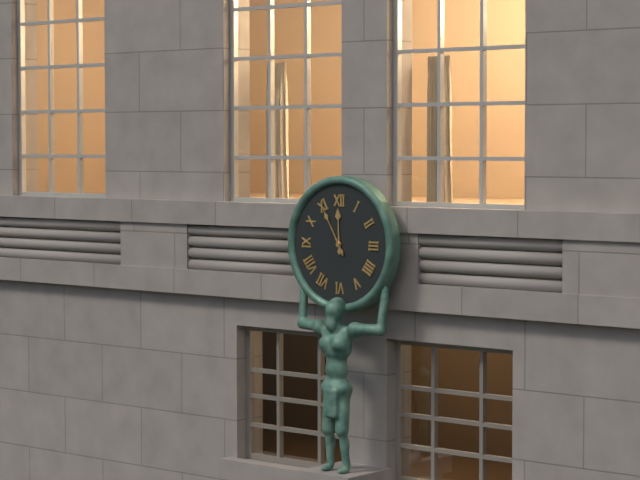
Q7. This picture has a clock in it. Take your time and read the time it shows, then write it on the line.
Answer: 11:55
